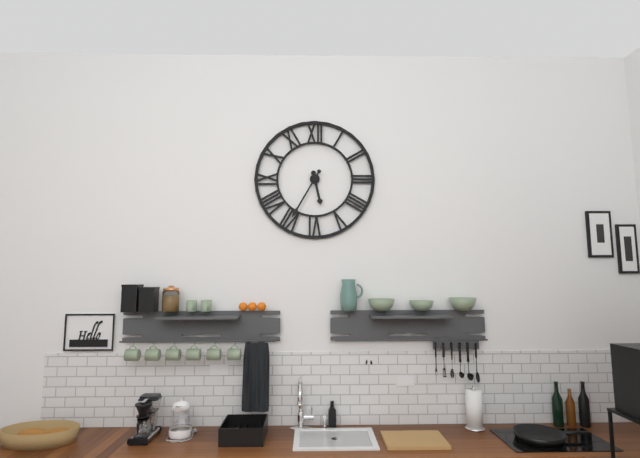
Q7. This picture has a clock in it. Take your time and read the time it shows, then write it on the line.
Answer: 5:35
